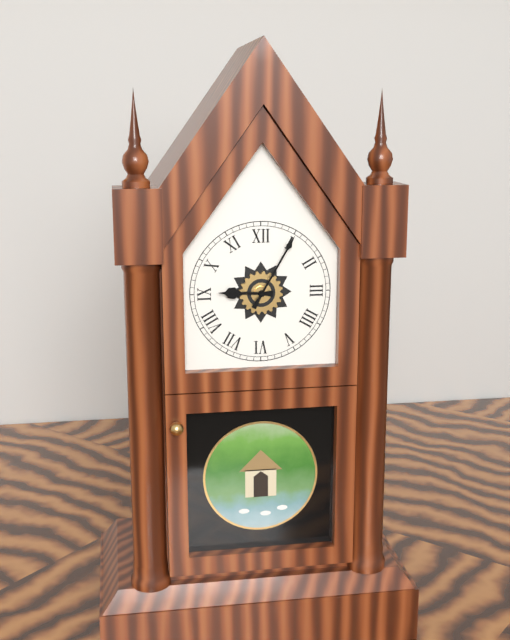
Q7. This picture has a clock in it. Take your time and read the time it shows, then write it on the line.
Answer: 9:05
